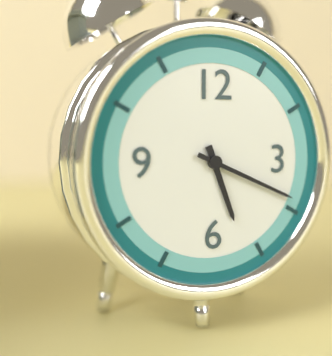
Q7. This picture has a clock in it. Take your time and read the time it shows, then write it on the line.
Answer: 5:19
